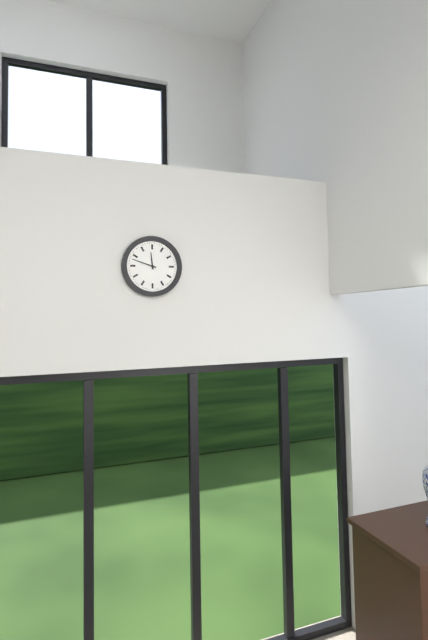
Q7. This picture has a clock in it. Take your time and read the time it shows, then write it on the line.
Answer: 11:48
